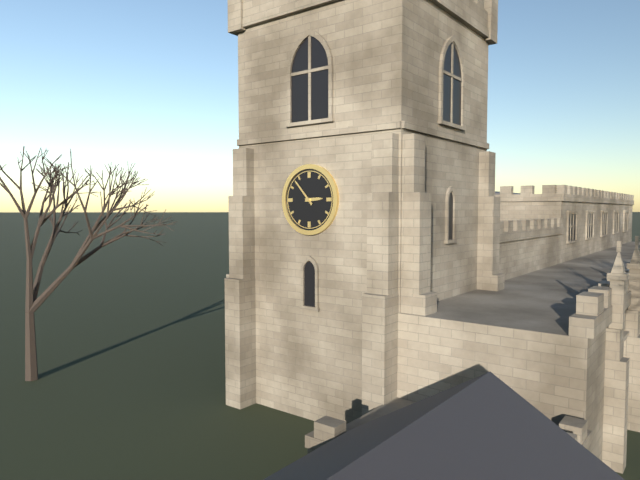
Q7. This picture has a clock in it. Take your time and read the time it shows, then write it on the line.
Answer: 2:53
